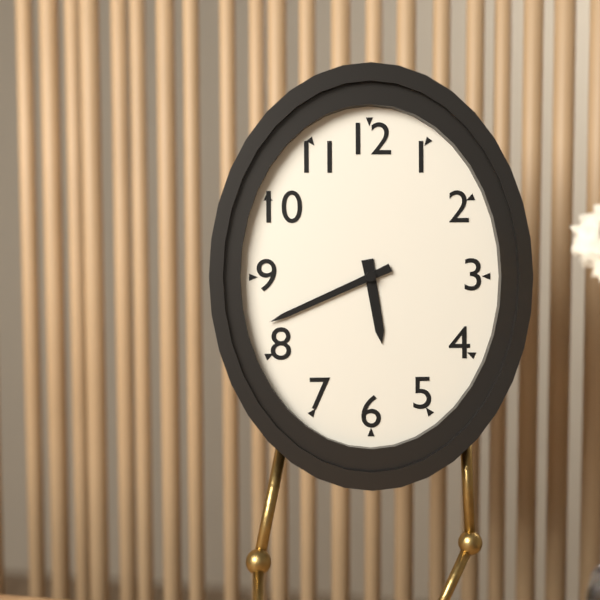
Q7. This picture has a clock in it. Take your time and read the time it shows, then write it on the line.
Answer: 5:41
